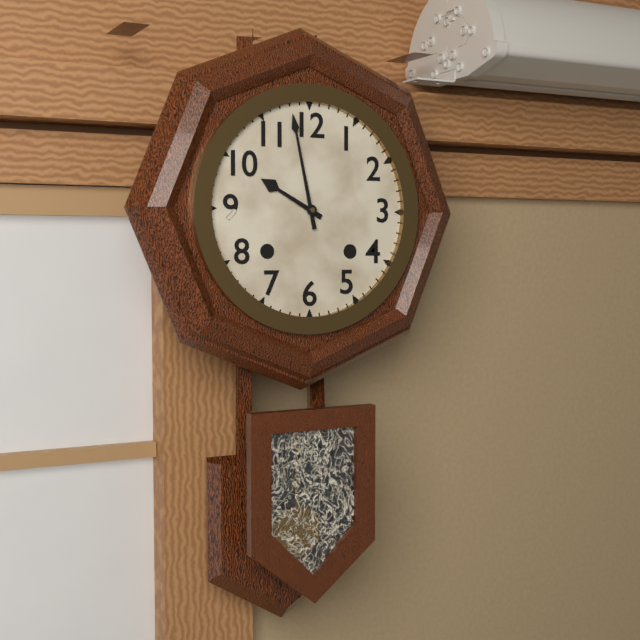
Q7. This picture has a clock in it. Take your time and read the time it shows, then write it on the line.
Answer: 9:58
